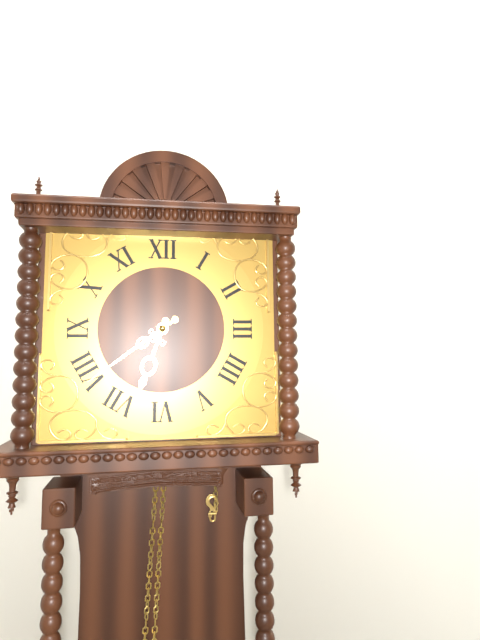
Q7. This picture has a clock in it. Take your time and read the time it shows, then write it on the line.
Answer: 6:39
